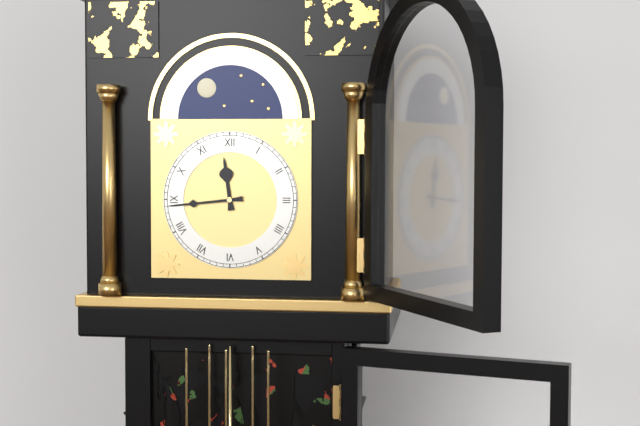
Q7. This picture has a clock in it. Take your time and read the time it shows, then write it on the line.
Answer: 11:44
